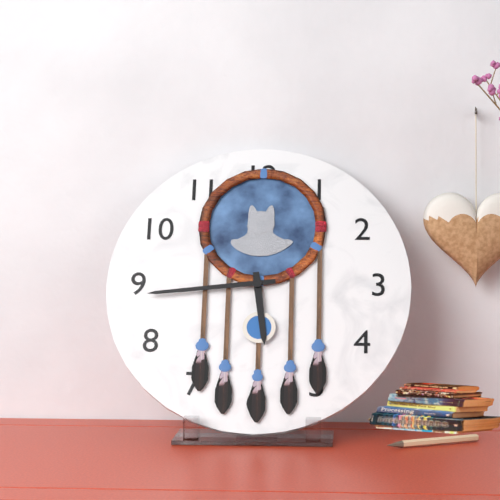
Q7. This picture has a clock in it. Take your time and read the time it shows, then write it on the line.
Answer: 5:44
